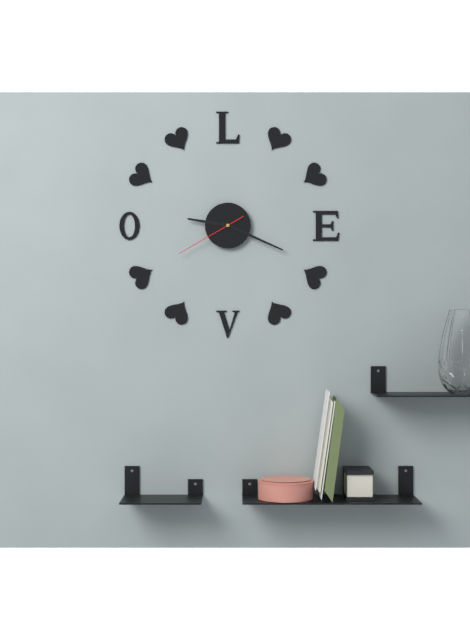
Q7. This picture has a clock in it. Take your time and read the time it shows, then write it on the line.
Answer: 9:19:40
